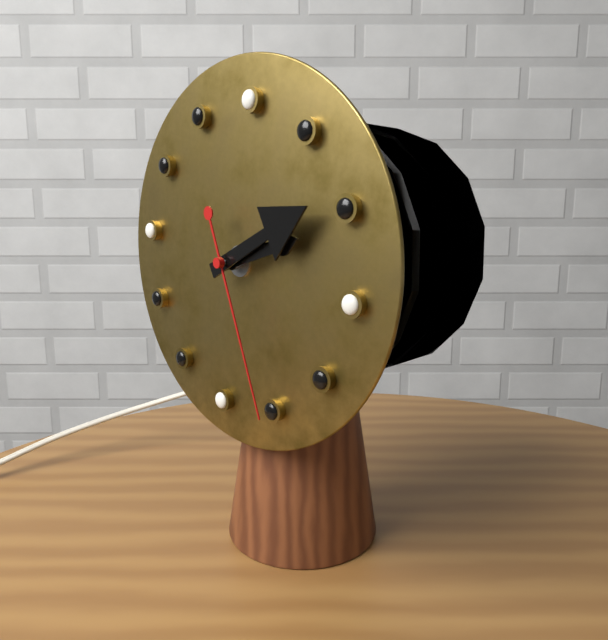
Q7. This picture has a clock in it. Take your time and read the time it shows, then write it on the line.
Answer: 2:09:25
